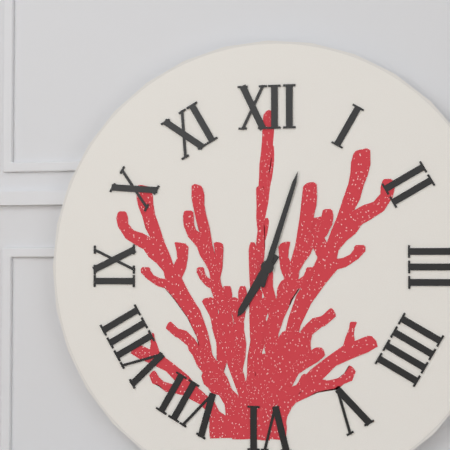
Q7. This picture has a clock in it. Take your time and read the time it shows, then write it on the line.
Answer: 7:03
